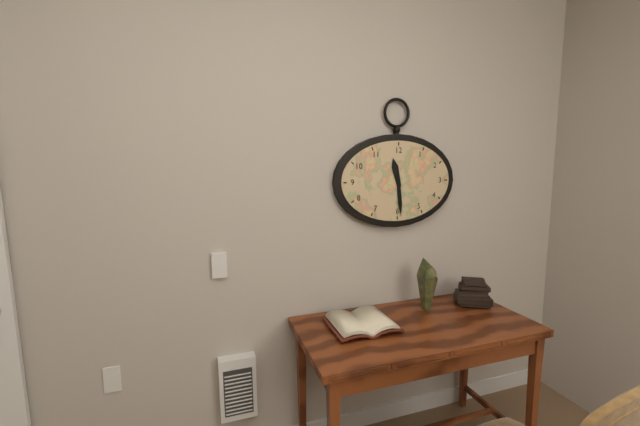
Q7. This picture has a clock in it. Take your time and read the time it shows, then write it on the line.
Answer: 11:29
